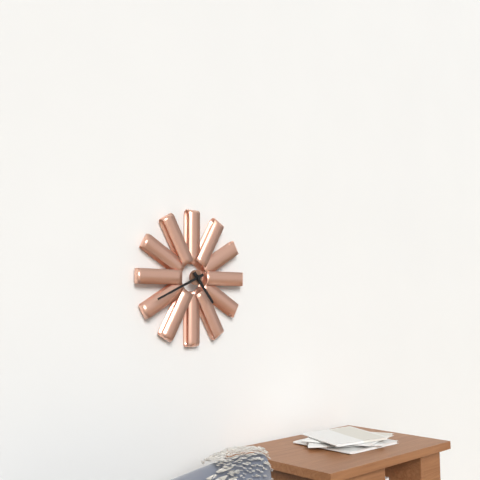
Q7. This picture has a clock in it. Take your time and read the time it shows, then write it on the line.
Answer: 4:41
